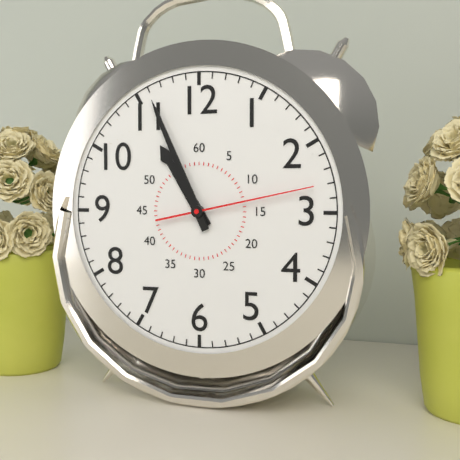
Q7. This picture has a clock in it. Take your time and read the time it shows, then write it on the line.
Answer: 10:56:13
